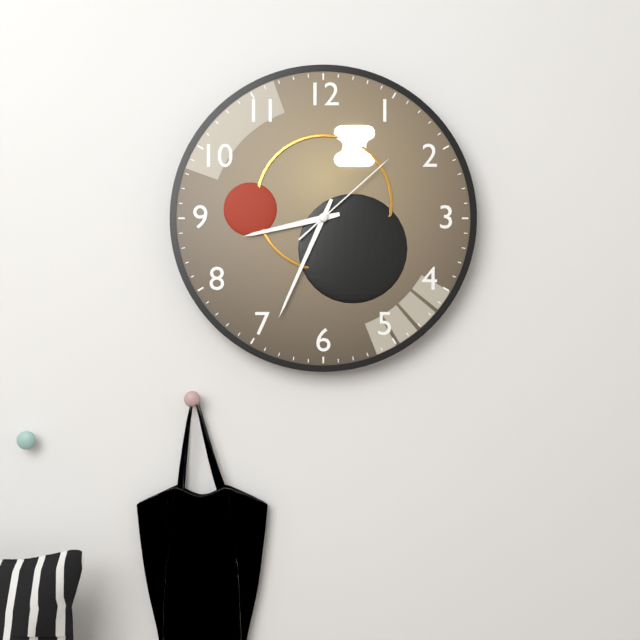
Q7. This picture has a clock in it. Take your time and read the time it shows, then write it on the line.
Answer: 8:34:08
